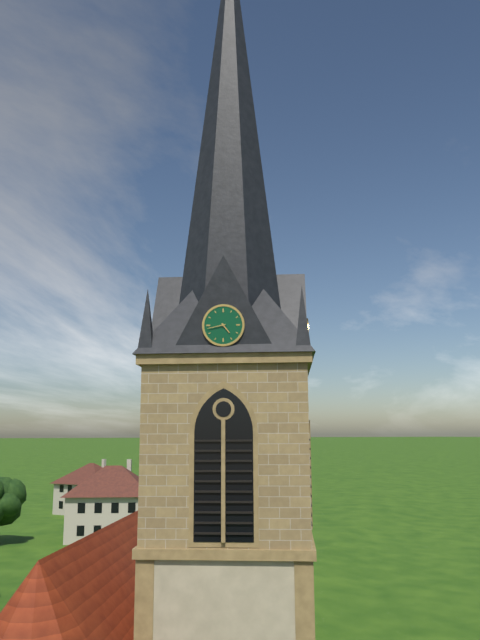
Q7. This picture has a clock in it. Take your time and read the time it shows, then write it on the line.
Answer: 4:43
